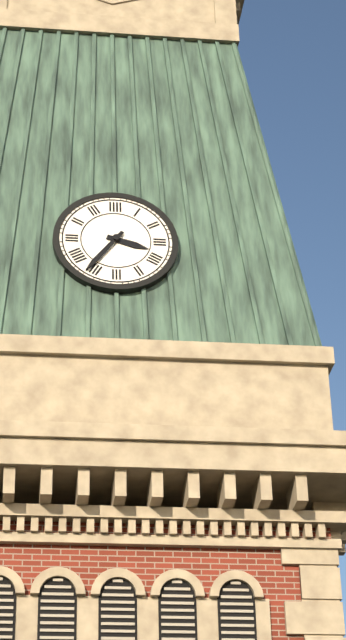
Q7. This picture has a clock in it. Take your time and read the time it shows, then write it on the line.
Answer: 3:36
